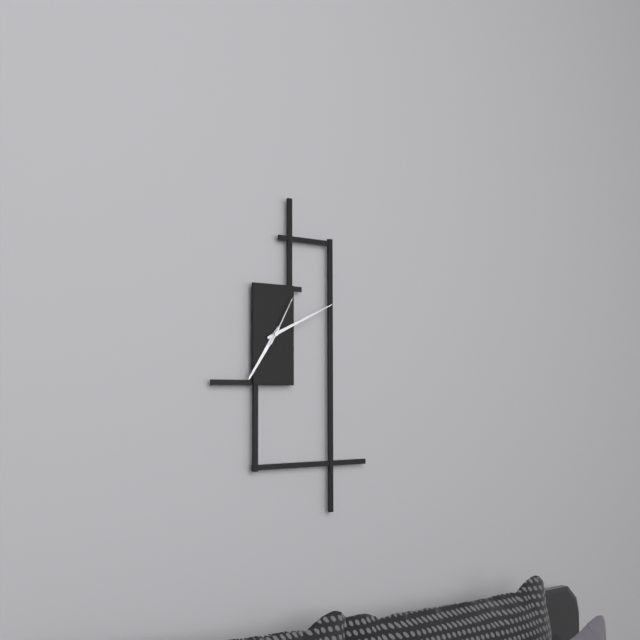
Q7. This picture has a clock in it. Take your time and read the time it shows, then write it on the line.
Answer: 7:11
